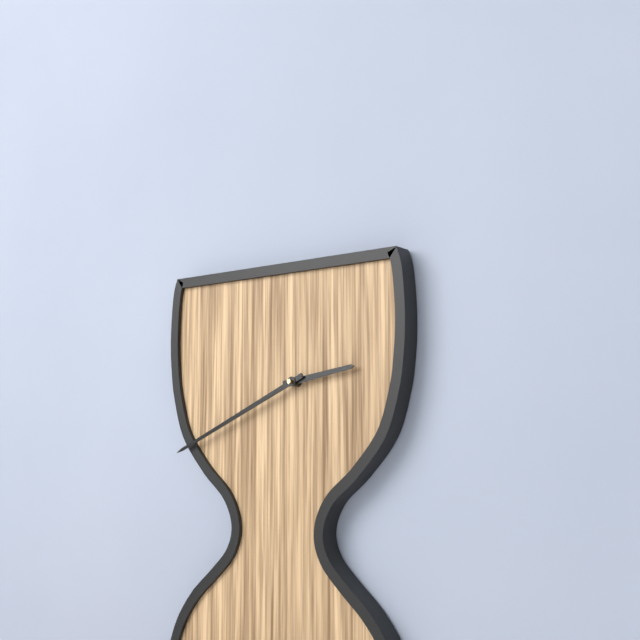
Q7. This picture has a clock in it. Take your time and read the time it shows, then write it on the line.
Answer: 2:41
